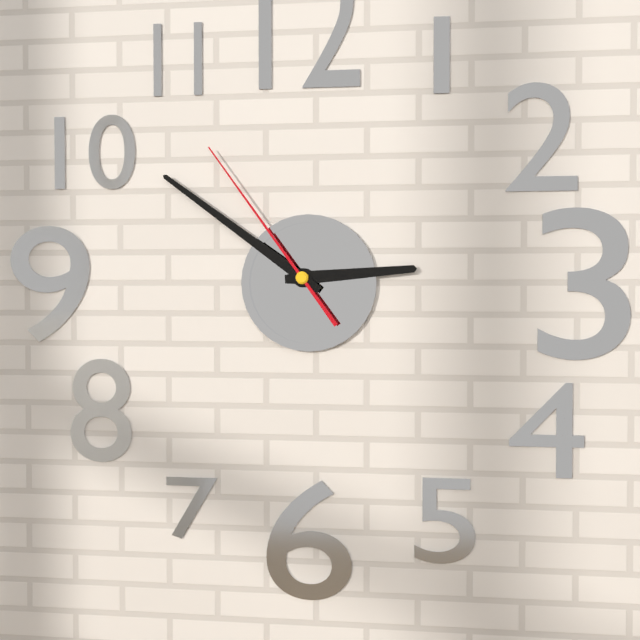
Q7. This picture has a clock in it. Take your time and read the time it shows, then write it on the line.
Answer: 2:51:54
